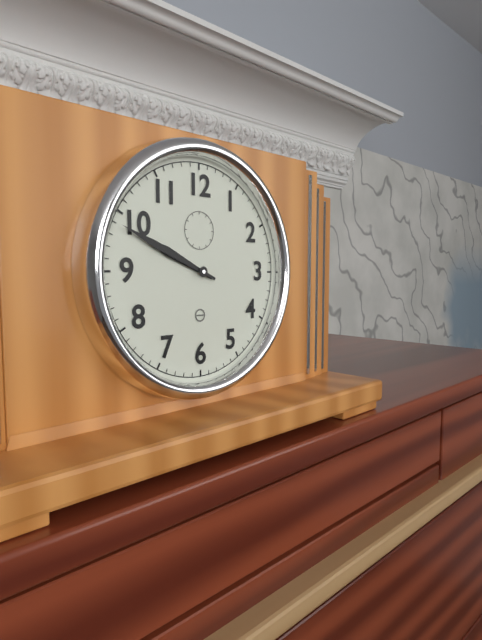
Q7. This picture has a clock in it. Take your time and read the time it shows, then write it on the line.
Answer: 9:49
